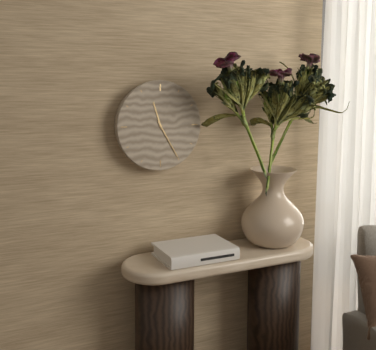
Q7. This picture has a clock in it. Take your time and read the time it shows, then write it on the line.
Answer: 11:25
